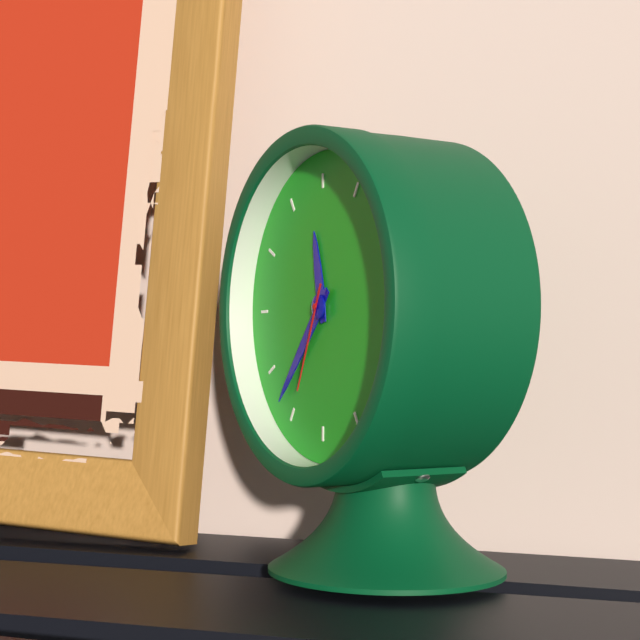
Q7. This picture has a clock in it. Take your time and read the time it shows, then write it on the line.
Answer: 11:37:34
